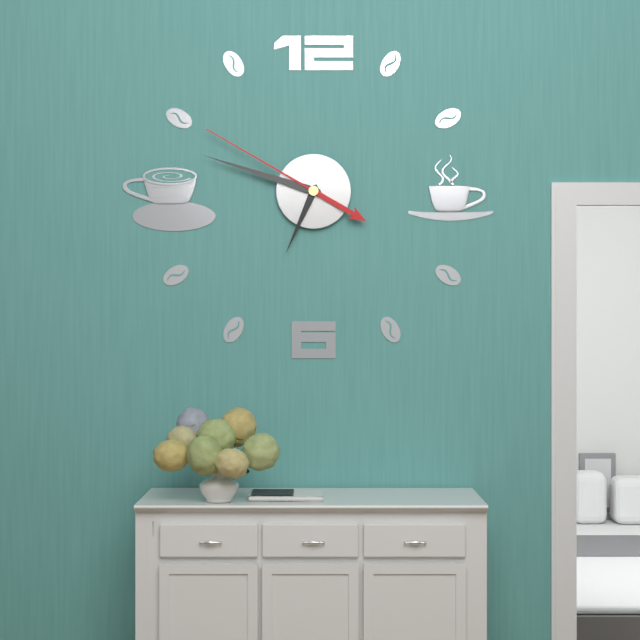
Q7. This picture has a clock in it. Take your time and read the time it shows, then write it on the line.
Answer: 6:48:50
